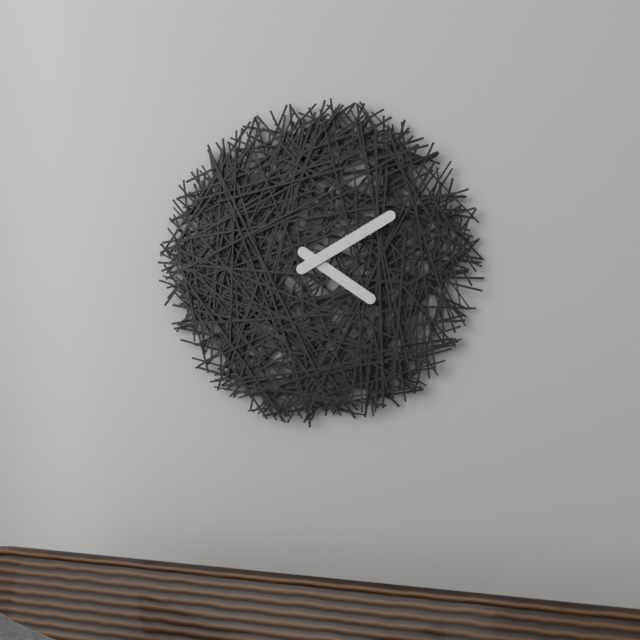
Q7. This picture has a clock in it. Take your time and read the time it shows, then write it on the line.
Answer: 4:10
